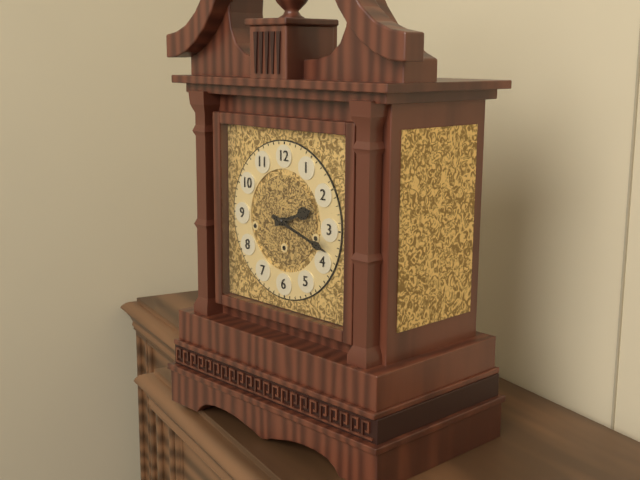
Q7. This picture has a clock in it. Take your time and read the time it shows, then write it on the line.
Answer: 2:18
